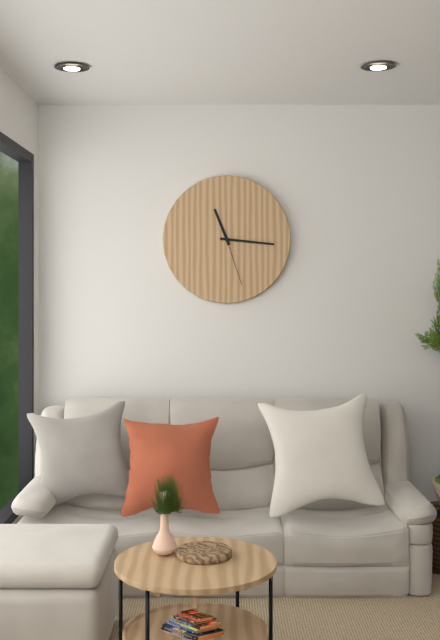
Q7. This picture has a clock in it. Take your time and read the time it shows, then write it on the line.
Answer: 11:16:27
